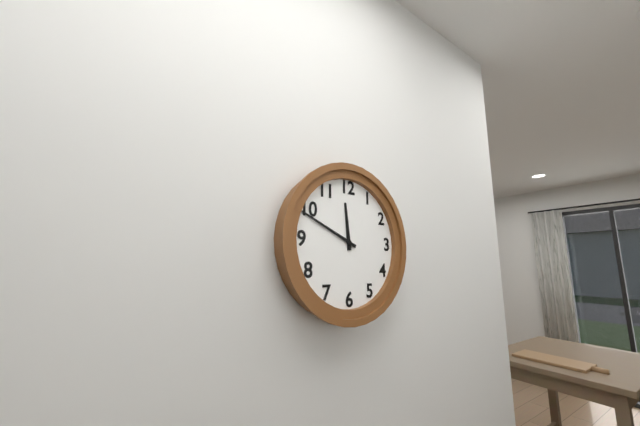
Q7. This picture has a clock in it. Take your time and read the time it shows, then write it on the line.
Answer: 11:49
